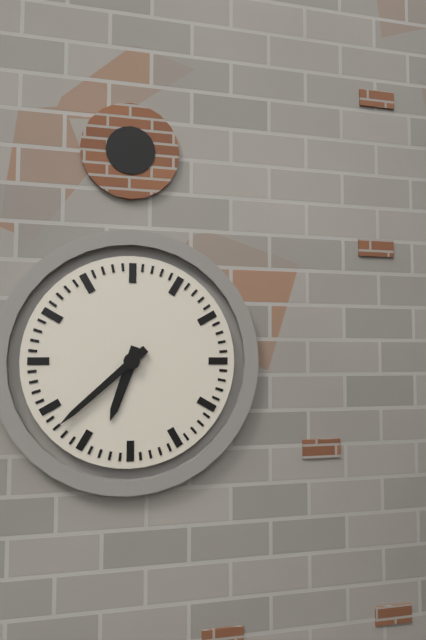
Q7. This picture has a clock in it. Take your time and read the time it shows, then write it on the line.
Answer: 6:38
